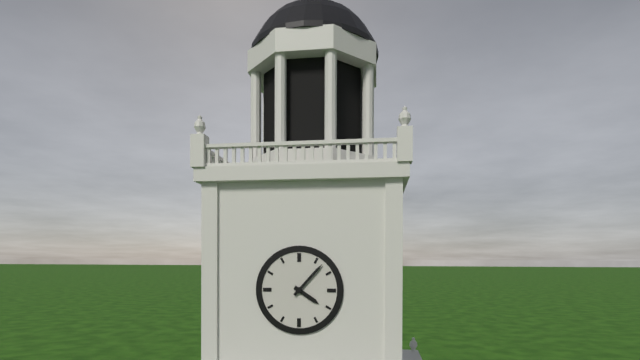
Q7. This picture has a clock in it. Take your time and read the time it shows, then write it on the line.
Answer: 4:07
